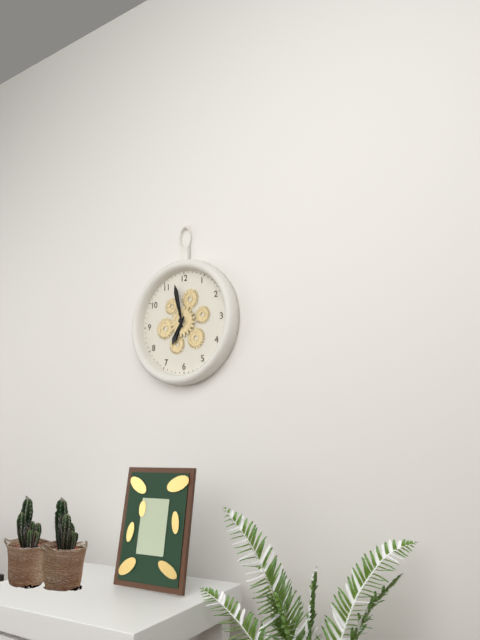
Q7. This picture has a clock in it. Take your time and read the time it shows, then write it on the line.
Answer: 6:58
